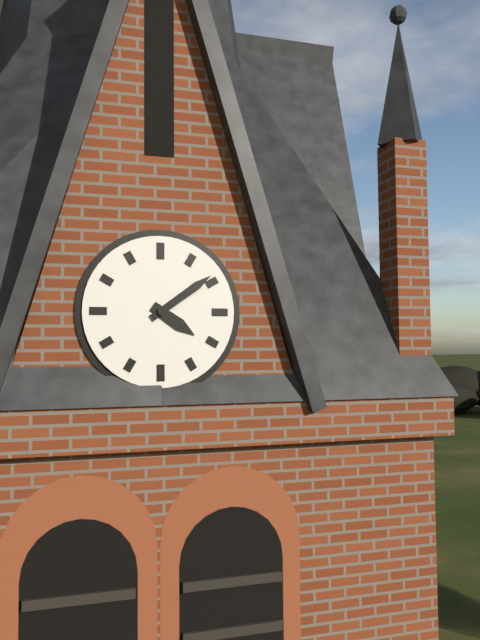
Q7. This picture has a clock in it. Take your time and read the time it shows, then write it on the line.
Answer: 4:09
